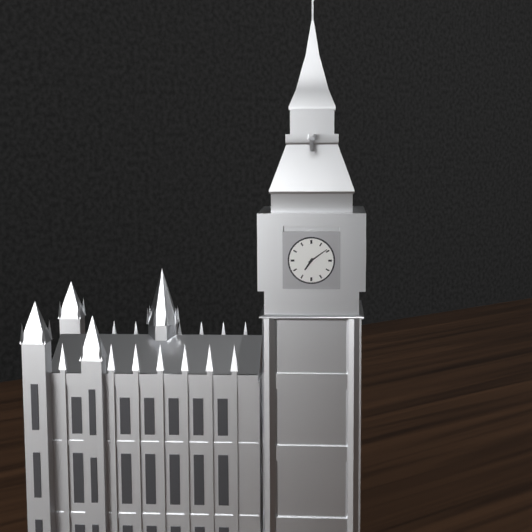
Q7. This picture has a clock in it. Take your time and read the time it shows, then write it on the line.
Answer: 7:09
